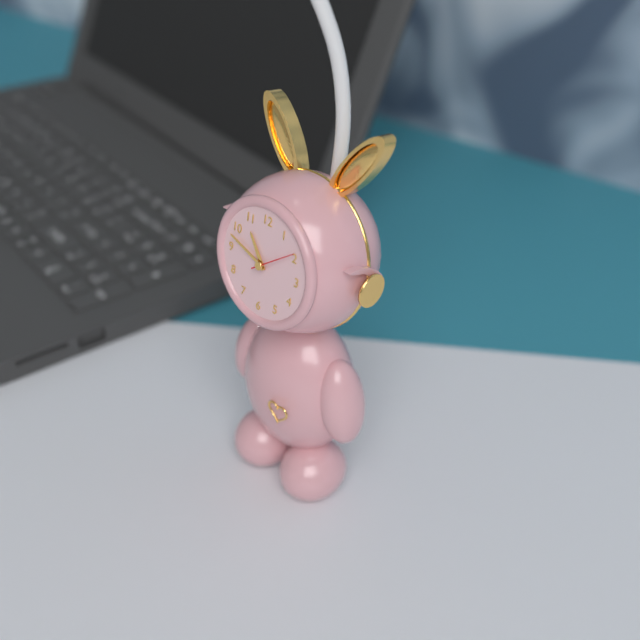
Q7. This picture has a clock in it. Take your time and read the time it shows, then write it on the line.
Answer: 10:48
